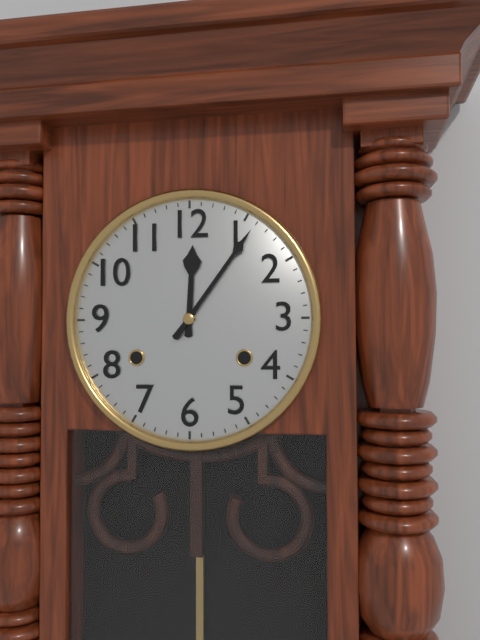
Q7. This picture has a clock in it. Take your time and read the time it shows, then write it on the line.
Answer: 12:06
